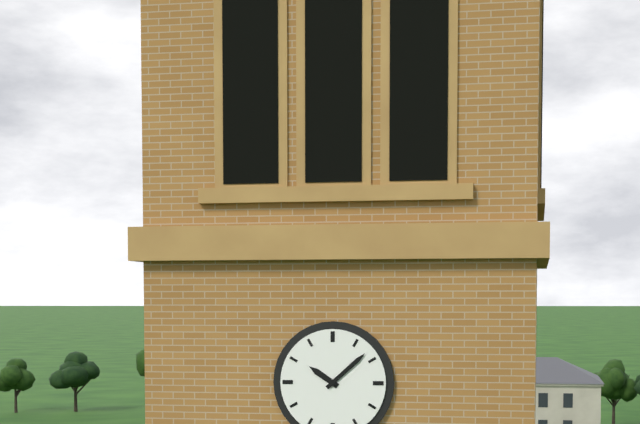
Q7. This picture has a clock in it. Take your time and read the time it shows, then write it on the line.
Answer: 10:08
